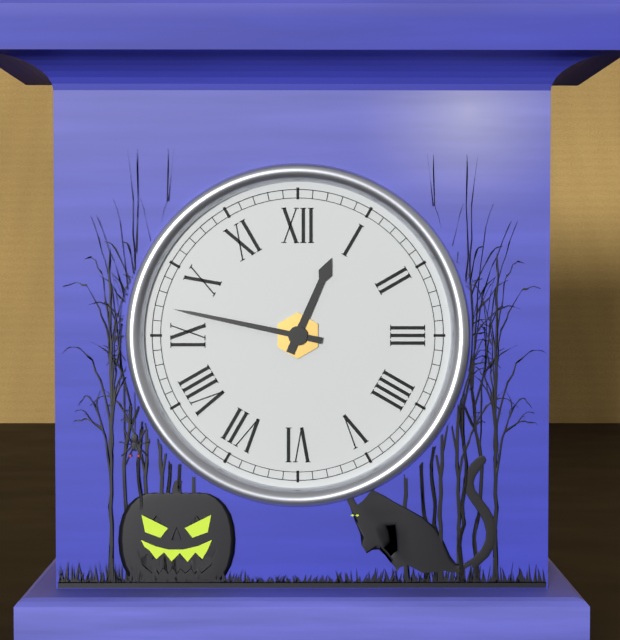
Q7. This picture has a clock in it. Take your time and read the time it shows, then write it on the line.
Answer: 12:47
